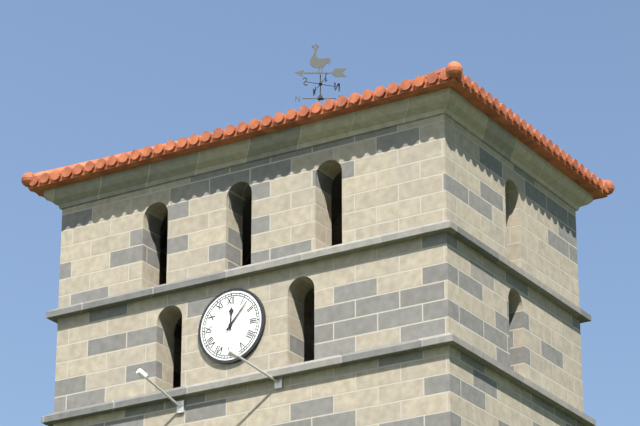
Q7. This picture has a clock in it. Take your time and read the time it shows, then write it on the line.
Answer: 12:07
